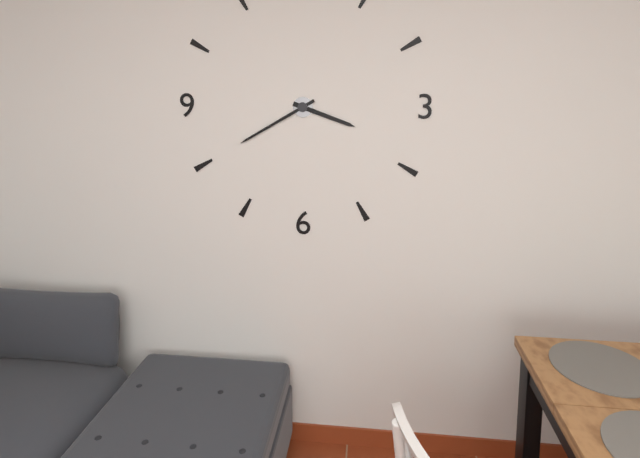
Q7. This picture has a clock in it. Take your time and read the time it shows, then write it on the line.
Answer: 3:40
